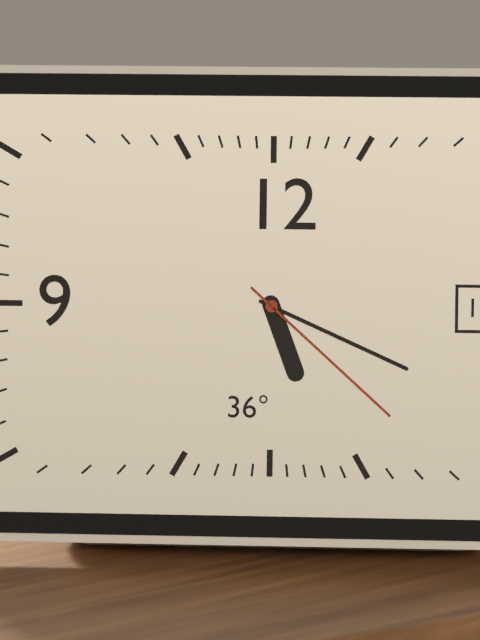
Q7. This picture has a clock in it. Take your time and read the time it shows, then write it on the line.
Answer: 5:19:22
